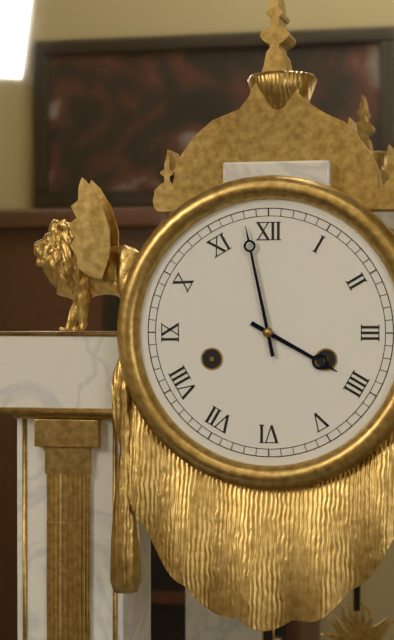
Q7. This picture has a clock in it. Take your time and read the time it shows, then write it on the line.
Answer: 3:58
